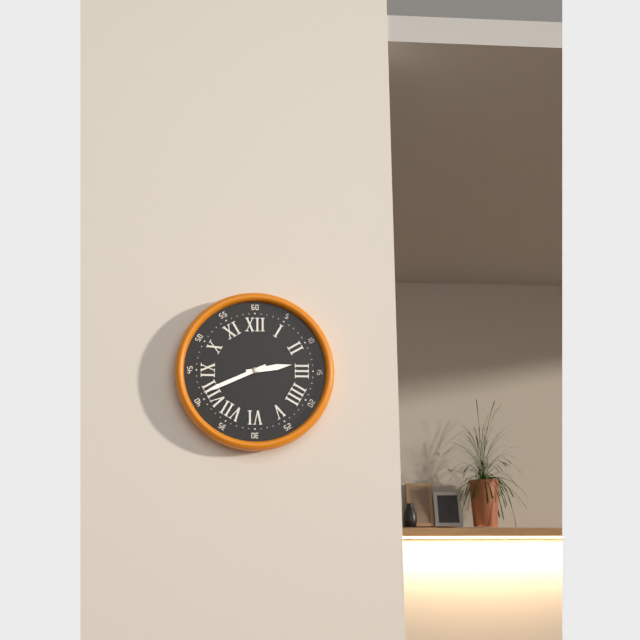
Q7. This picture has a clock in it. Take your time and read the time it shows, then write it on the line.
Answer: 2:41
